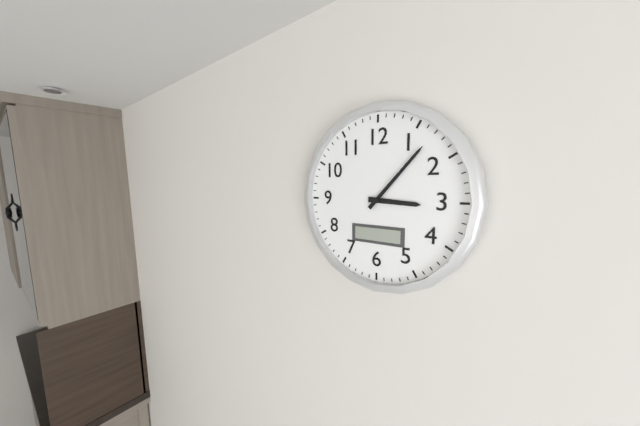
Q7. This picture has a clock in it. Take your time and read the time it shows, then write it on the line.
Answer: 3:07
